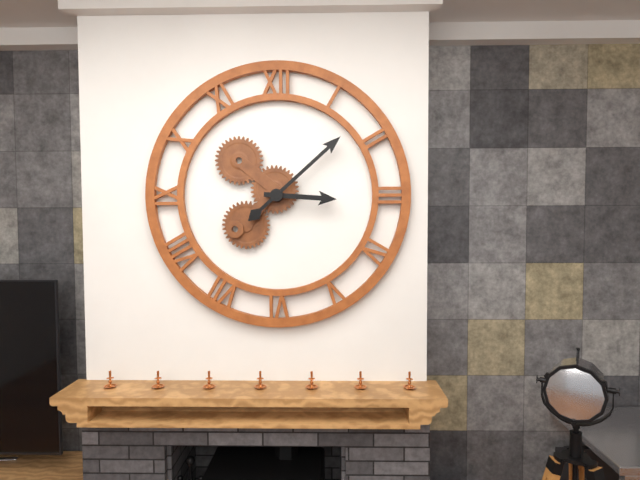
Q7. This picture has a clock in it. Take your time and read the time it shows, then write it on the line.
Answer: 3:08
